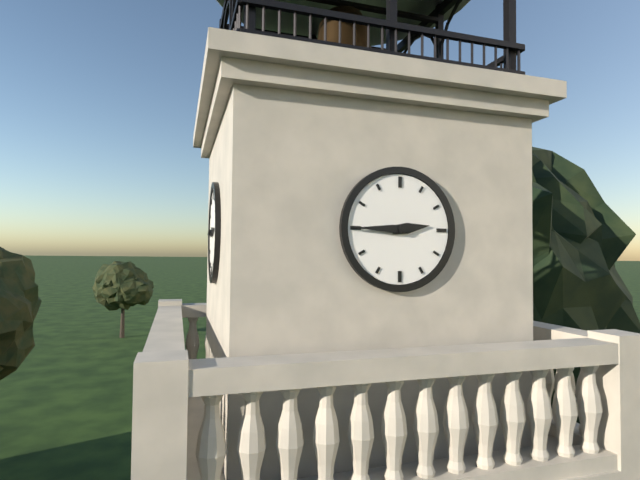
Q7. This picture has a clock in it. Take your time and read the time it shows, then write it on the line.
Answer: 2:45
